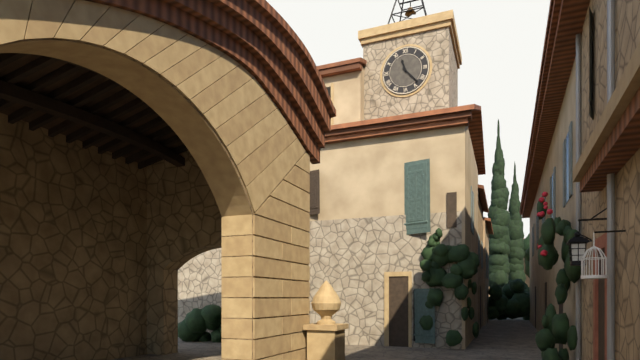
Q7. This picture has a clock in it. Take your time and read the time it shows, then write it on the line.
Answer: 11:23
